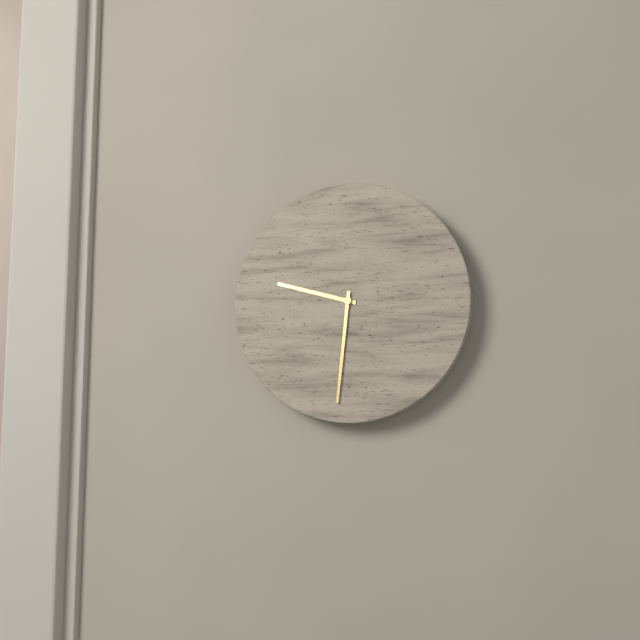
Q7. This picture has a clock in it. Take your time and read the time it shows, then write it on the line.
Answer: 9:31
